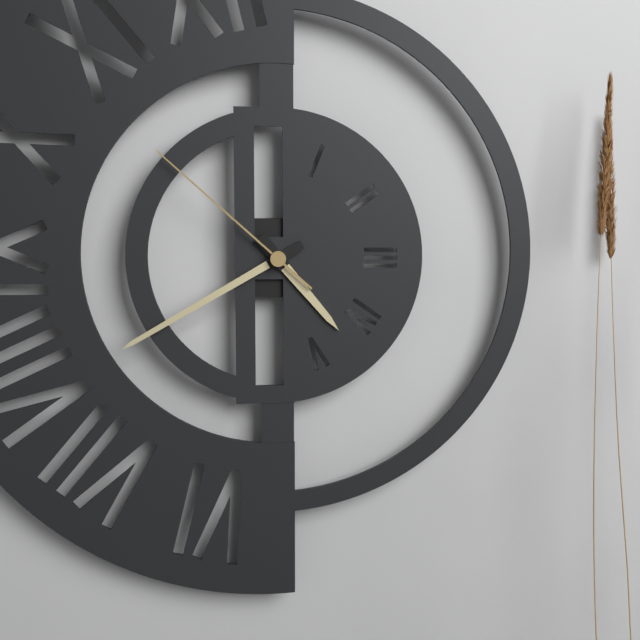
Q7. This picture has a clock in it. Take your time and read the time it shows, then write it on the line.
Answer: 4:40:52
